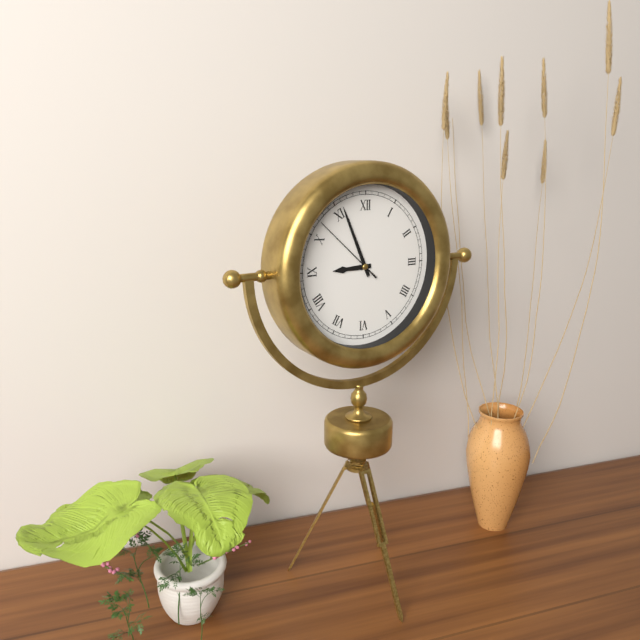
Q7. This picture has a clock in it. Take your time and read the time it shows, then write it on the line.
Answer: 8:56:52
